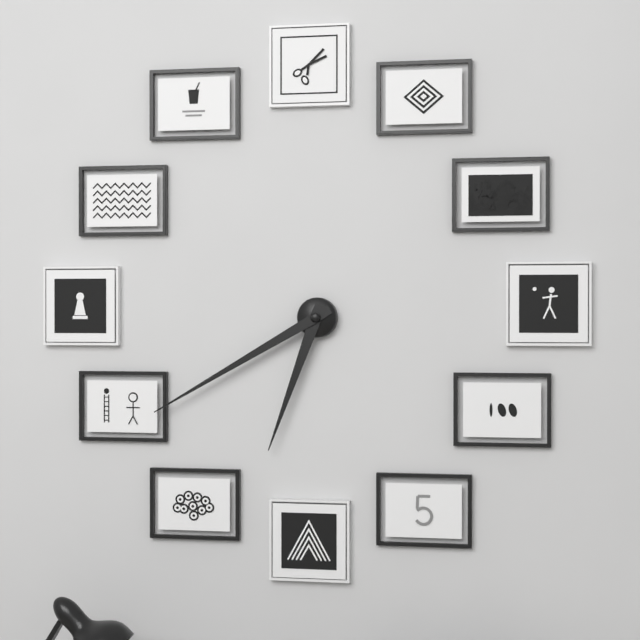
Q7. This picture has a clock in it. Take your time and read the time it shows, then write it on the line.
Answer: 6:40
